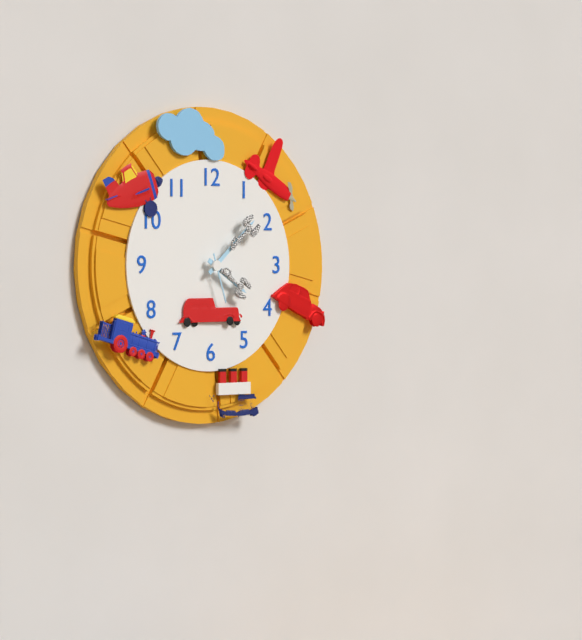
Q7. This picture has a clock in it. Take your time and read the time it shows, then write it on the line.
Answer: 4:08
